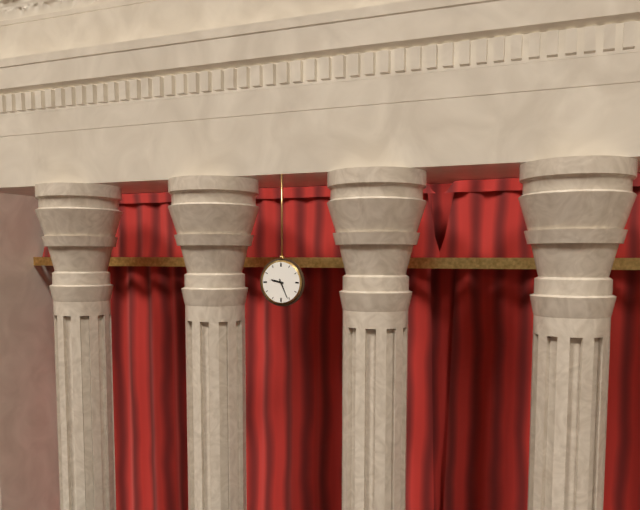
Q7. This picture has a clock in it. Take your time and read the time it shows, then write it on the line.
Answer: 9:26
